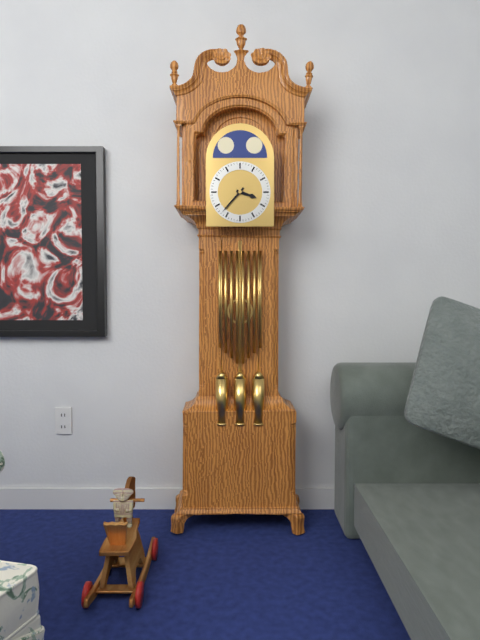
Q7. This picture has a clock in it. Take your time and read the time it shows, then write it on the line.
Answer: 3:37
